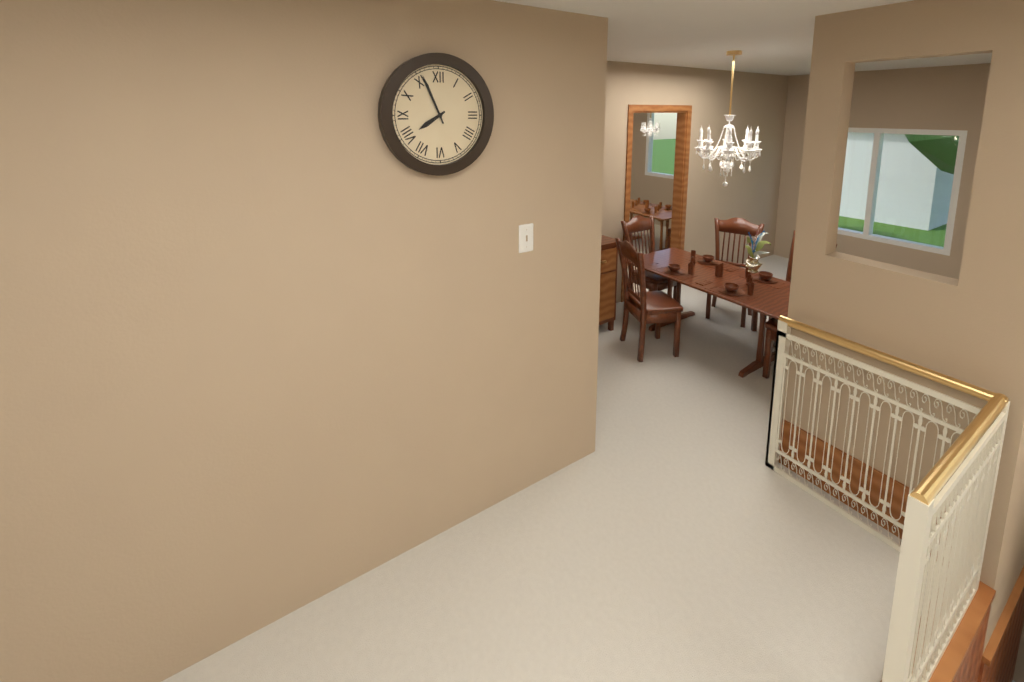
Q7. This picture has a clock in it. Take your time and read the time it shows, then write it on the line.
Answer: 7:56
